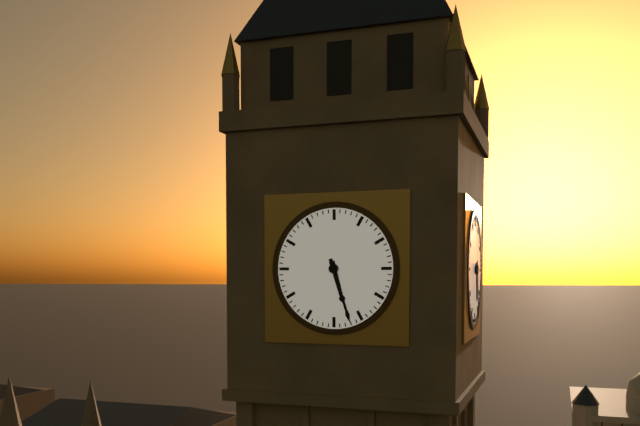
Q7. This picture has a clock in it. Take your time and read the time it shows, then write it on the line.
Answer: 5:27
